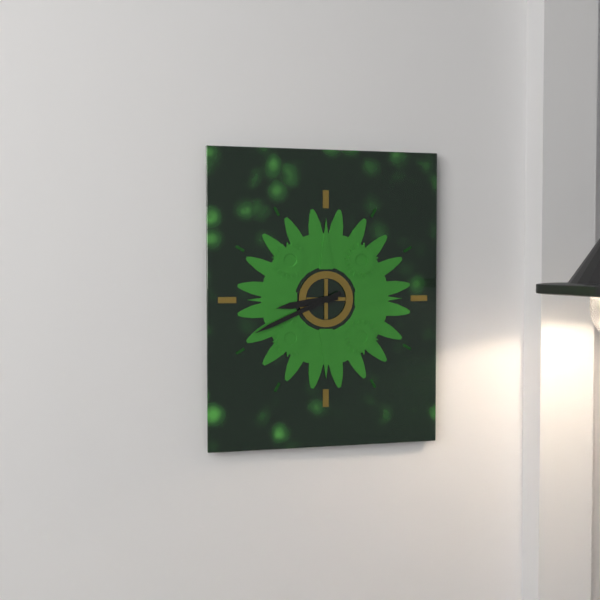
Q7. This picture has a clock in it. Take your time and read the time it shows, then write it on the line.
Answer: 8:41
